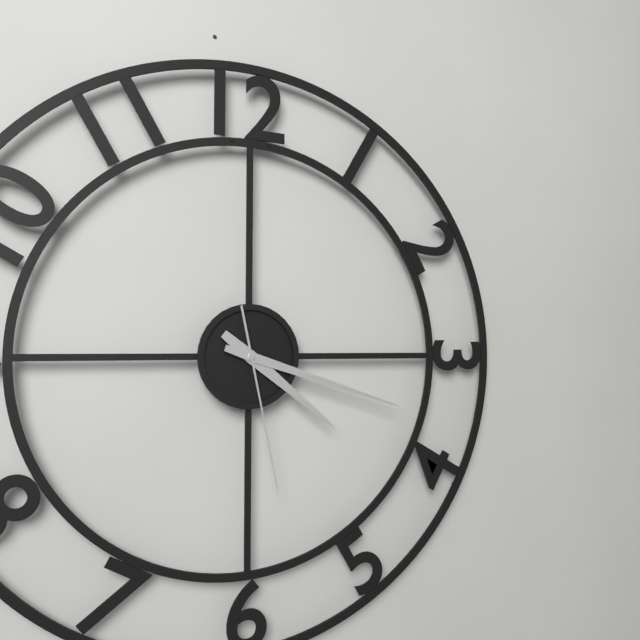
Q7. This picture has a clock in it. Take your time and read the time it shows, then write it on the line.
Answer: 4:18:28
